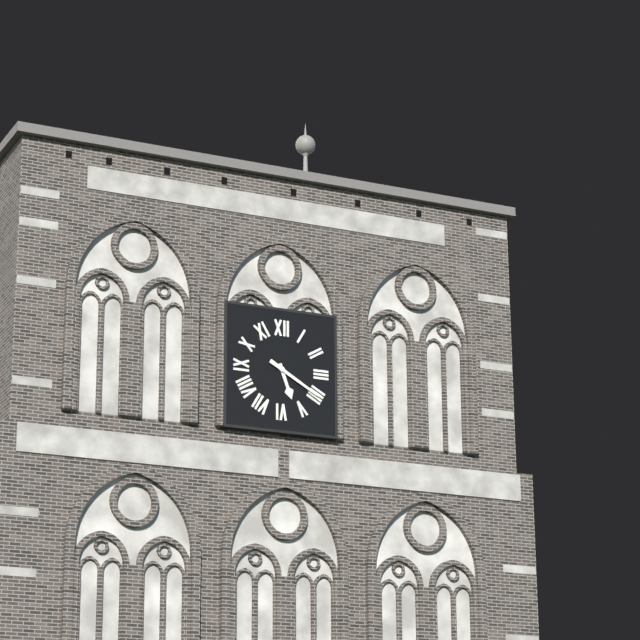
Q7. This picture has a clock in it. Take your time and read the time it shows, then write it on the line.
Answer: 5:20
